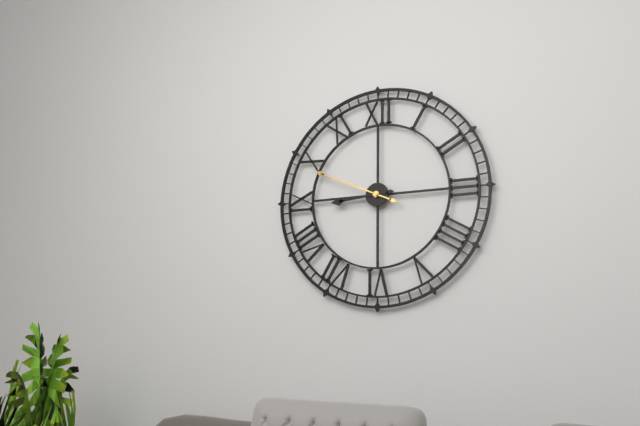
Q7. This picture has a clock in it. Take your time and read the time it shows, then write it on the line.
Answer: 8:49
